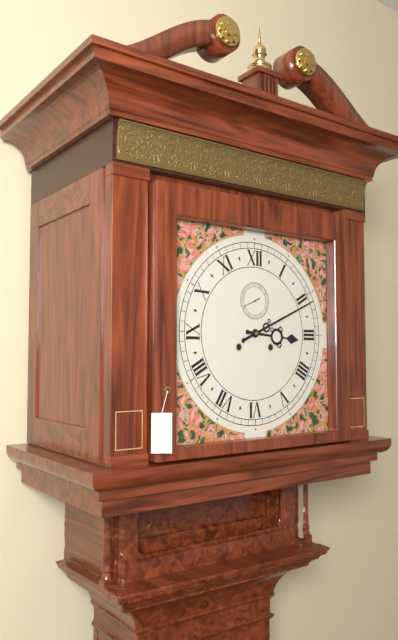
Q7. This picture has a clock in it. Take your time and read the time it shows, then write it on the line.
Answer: 3:11
